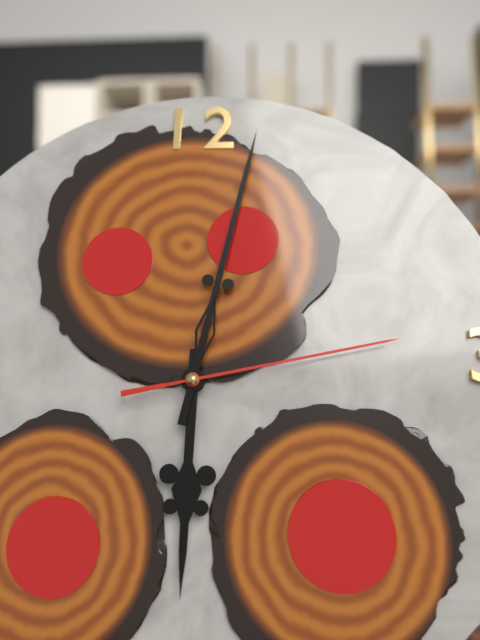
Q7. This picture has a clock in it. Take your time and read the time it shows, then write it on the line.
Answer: 6:02:13
